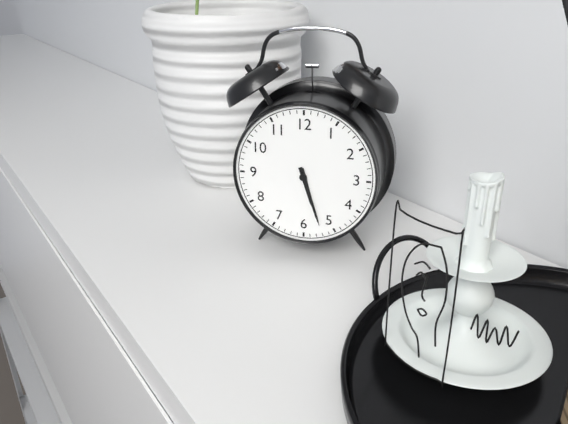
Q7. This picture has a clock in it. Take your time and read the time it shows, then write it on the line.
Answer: 5:27
